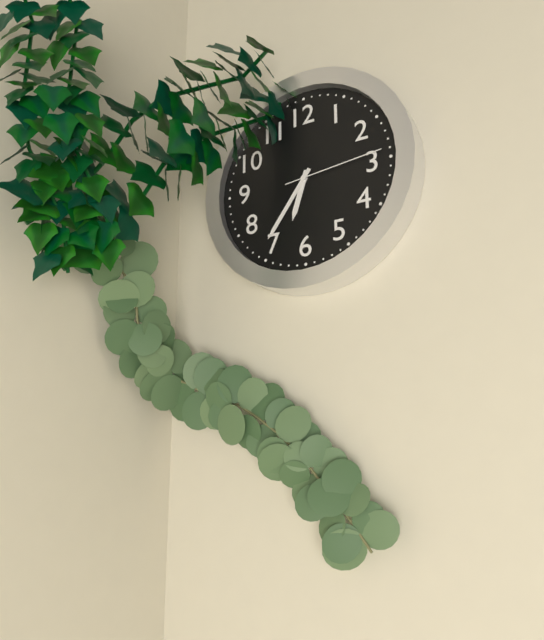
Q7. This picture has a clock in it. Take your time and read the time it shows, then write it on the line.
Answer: 6:36:14
